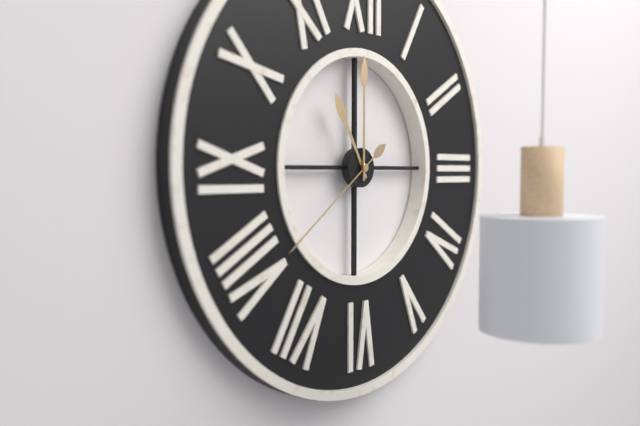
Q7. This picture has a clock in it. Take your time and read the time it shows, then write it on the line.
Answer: 11:00:39
